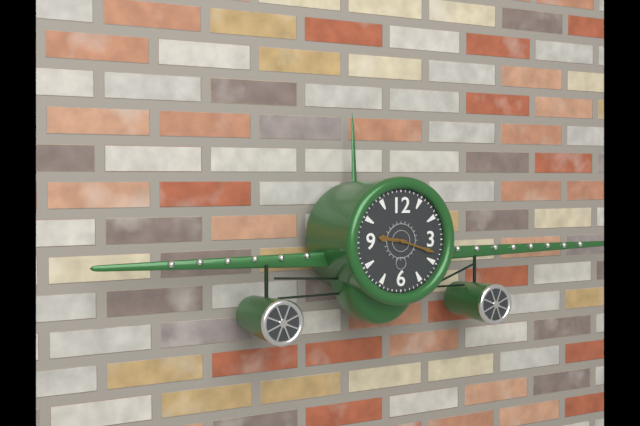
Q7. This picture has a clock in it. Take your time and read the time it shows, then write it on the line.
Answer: 9:18
